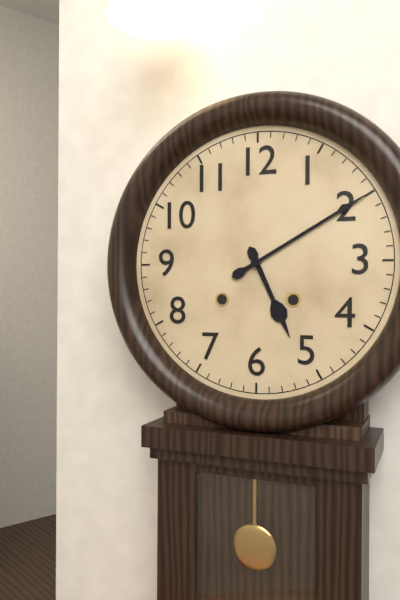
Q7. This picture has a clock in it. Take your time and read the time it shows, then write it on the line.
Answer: 5:10
